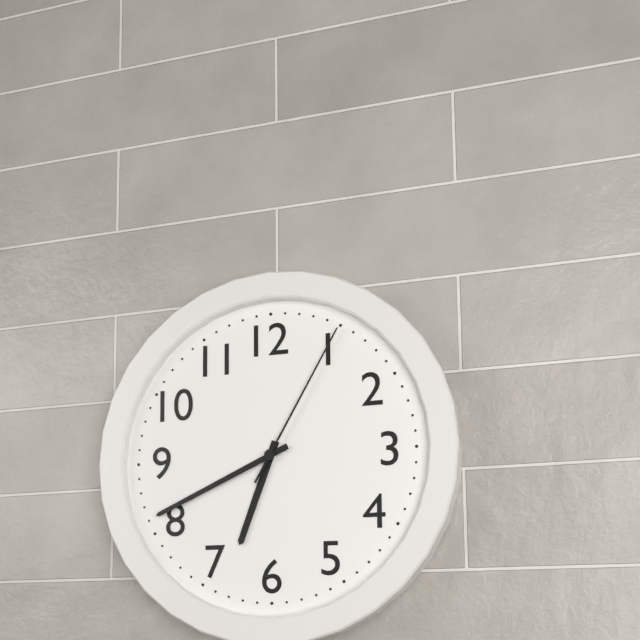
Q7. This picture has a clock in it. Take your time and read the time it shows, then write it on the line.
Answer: 6:41:05
